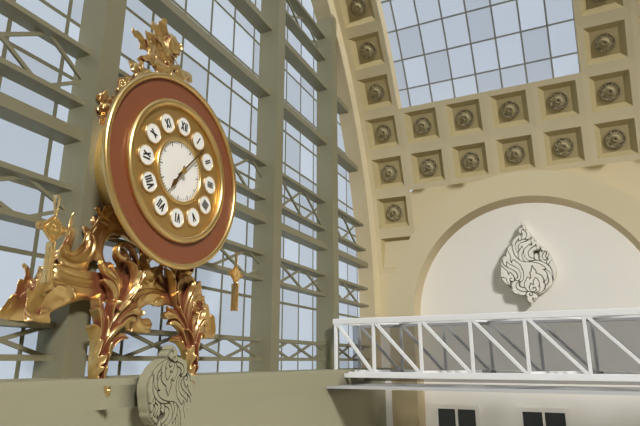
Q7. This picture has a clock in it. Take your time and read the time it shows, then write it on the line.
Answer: 7:07
